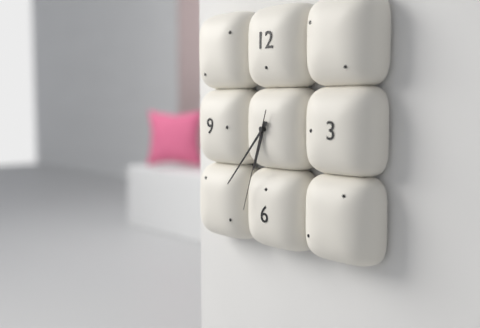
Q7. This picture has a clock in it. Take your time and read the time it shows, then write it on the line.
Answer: 6:37:33
